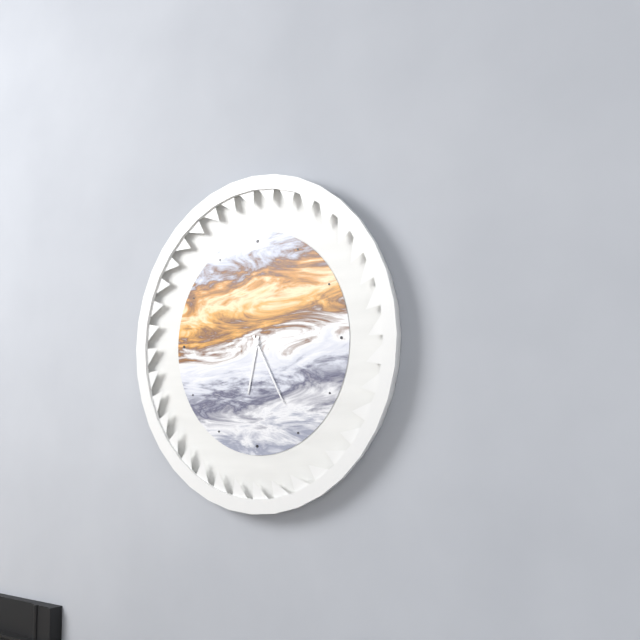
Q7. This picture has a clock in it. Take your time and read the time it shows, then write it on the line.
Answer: 6:25
